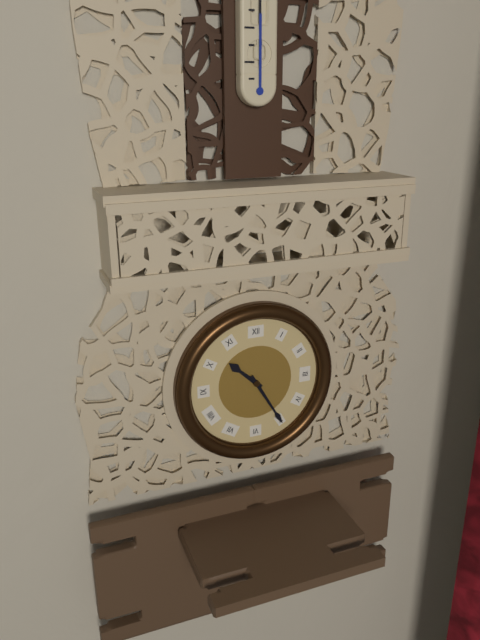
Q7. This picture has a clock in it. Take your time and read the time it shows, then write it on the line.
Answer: 10:25
